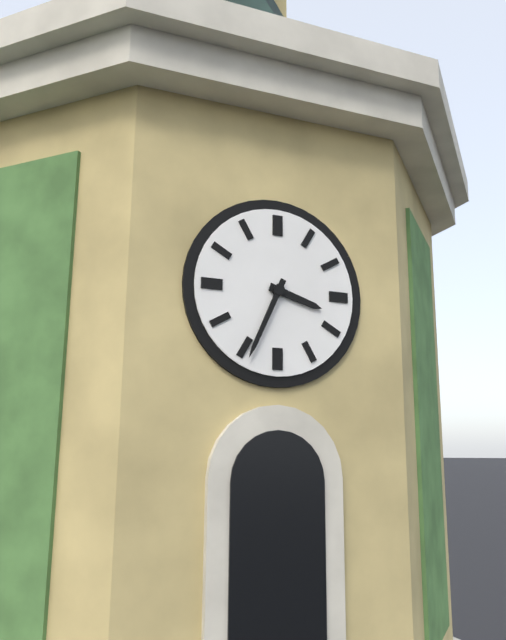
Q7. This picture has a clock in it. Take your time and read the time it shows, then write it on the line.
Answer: 3:34
